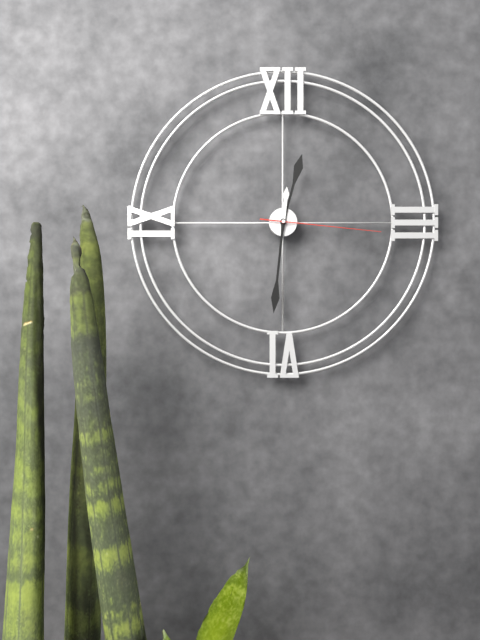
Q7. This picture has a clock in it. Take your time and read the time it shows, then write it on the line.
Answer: 12:31:16
